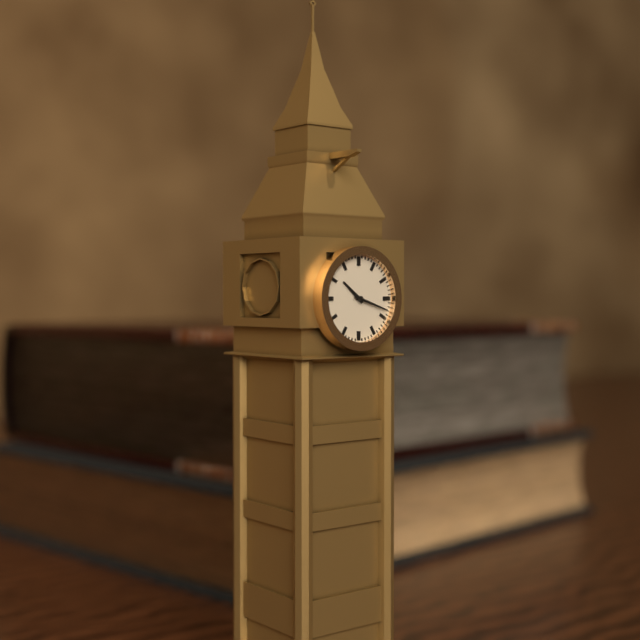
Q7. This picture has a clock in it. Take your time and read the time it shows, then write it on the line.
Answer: 10:18
